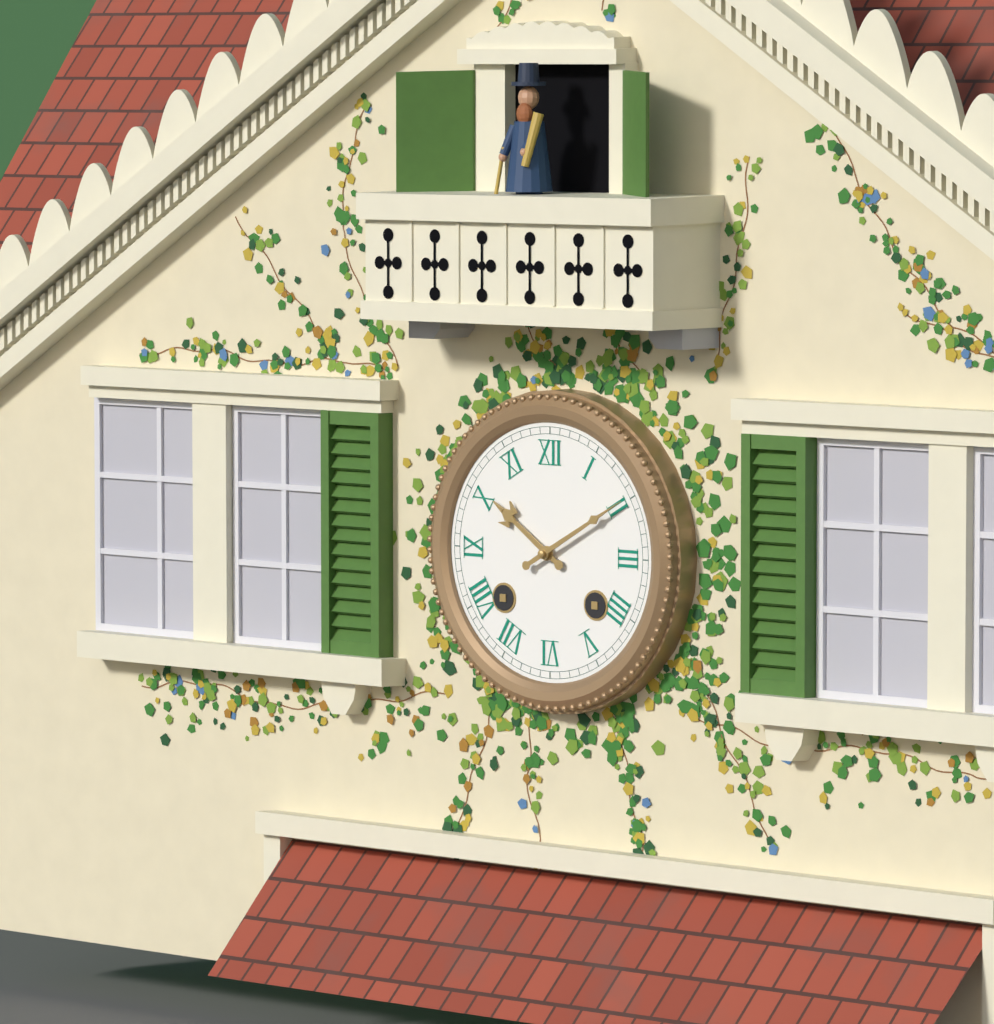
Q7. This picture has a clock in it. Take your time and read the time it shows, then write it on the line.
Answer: 10:10
